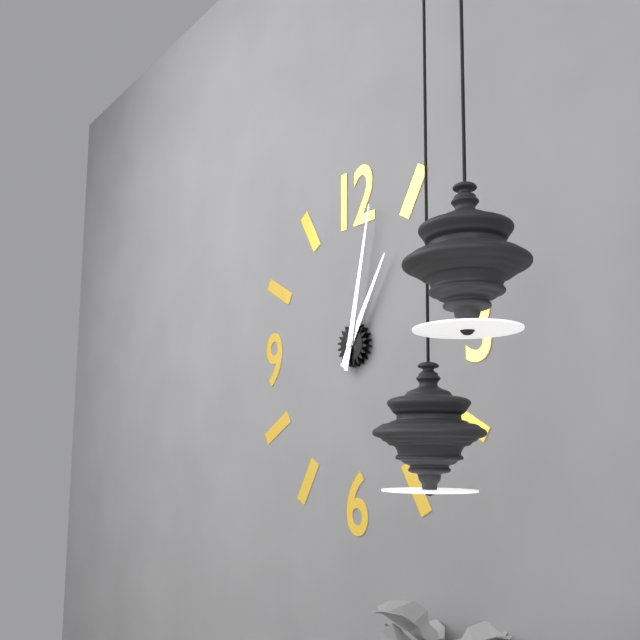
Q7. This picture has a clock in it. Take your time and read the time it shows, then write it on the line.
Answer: 1:02
